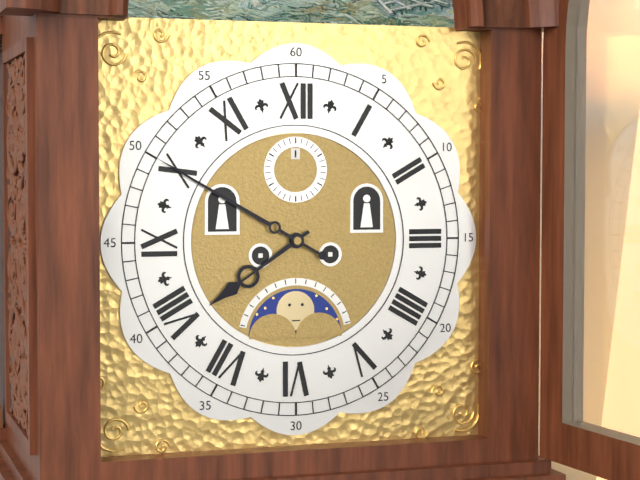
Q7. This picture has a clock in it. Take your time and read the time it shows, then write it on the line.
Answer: 7:50
